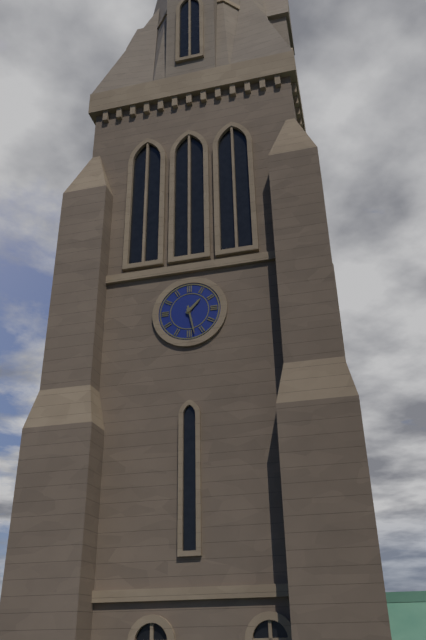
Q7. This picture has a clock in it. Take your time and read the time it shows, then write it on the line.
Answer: 1:28
